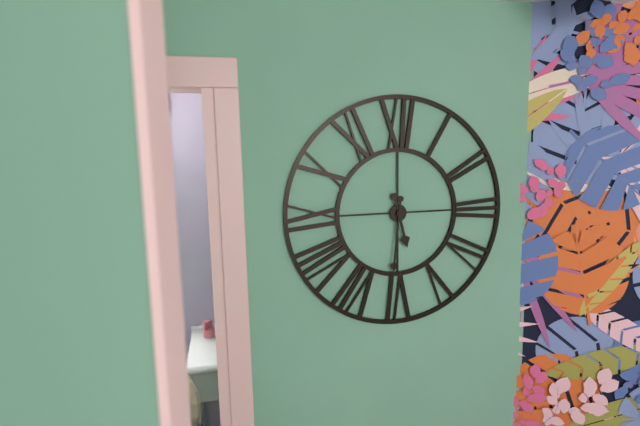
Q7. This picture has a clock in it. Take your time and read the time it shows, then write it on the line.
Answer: 5:31
